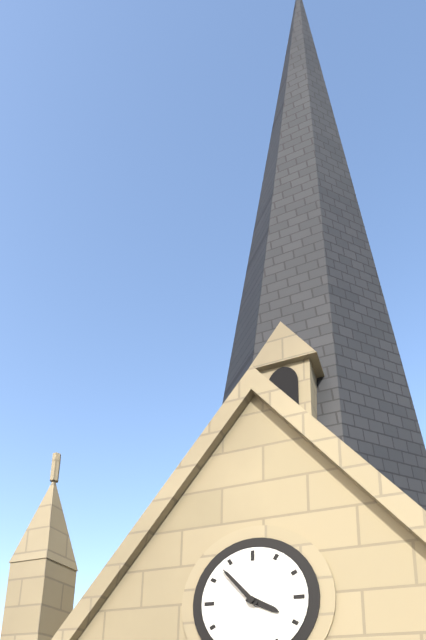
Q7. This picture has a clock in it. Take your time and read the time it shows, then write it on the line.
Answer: 3:53
